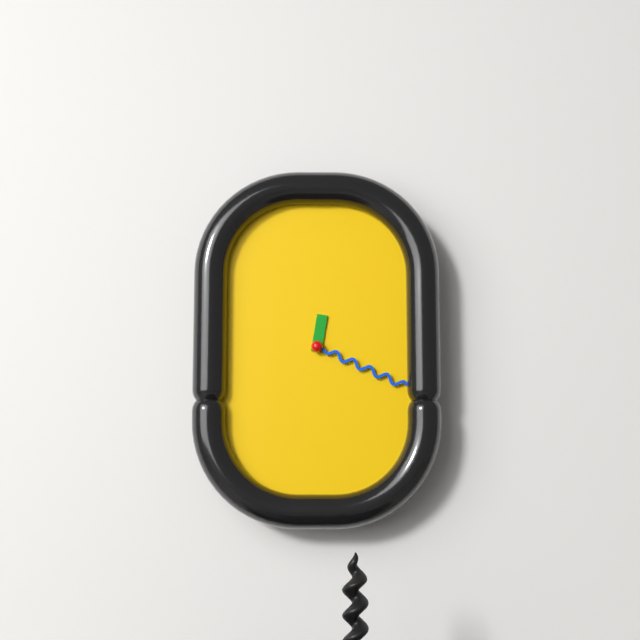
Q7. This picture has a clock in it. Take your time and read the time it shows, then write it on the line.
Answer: 12:19
